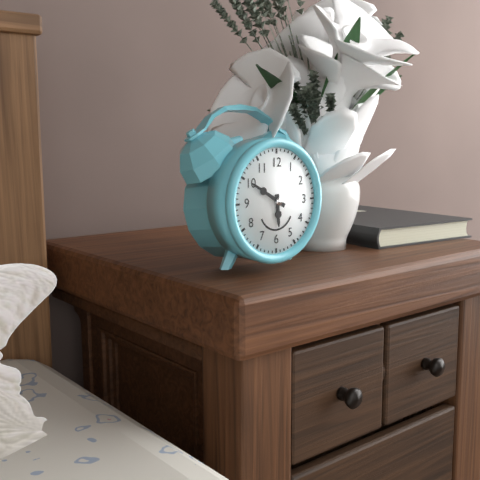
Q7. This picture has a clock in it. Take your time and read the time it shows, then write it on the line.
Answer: 5:50
